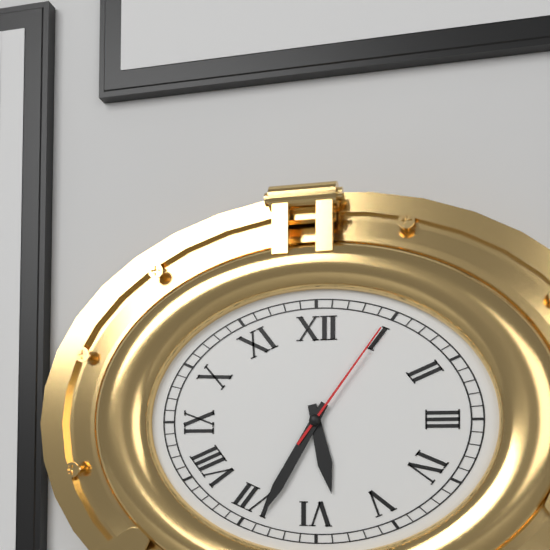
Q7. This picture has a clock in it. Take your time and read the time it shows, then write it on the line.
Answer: 5:35:06
